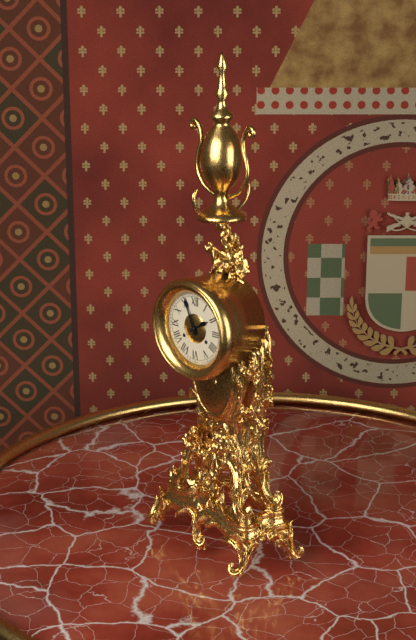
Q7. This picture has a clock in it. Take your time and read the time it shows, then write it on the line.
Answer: 1:56
